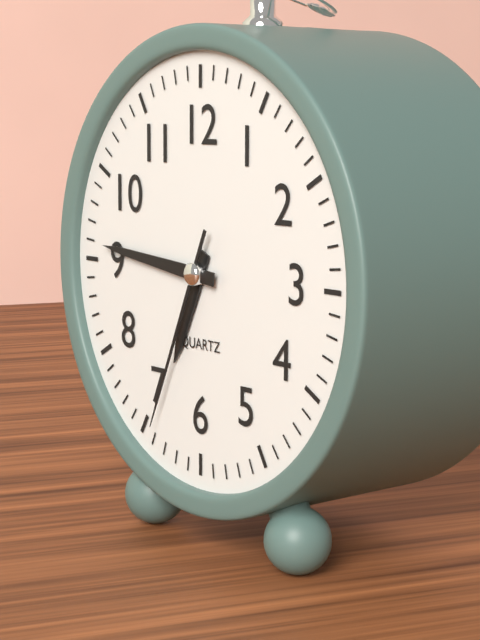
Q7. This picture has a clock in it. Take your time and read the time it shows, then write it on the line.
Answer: 6:46:34
